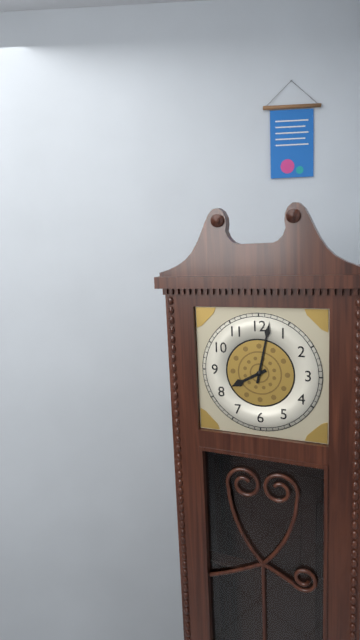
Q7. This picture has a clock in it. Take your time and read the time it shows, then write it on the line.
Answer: 8:02
